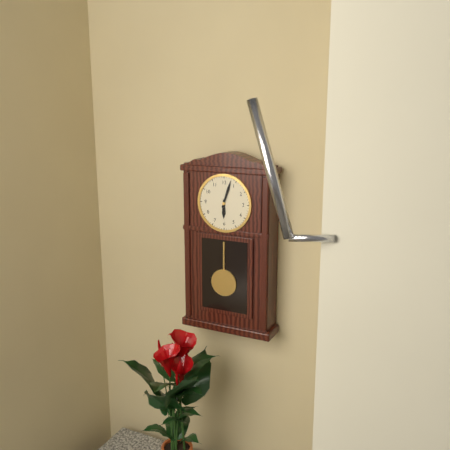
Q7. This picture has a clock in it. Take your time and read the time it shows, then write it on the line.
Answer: 6:03
